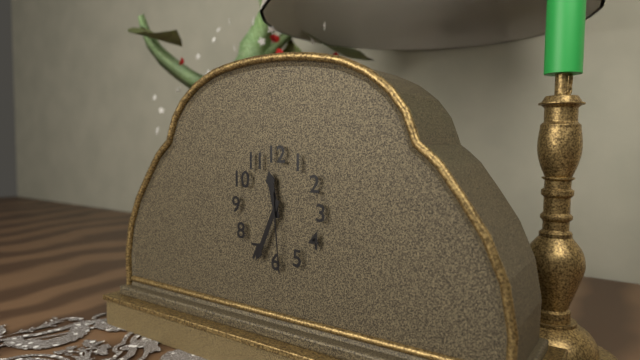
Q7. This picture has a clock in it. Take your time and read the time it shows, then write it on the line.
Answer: 11:34:29
